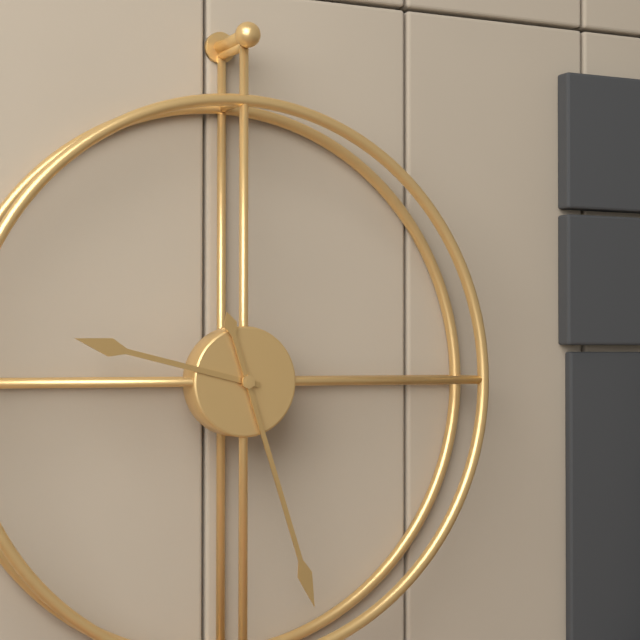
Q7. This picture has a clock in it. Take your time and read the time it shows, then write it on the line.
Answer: 9:27
